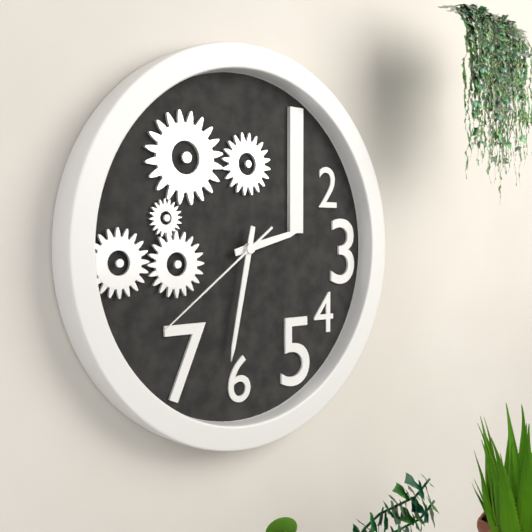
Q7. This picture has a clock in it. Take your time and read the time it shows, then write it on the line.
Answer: 2:32:39
